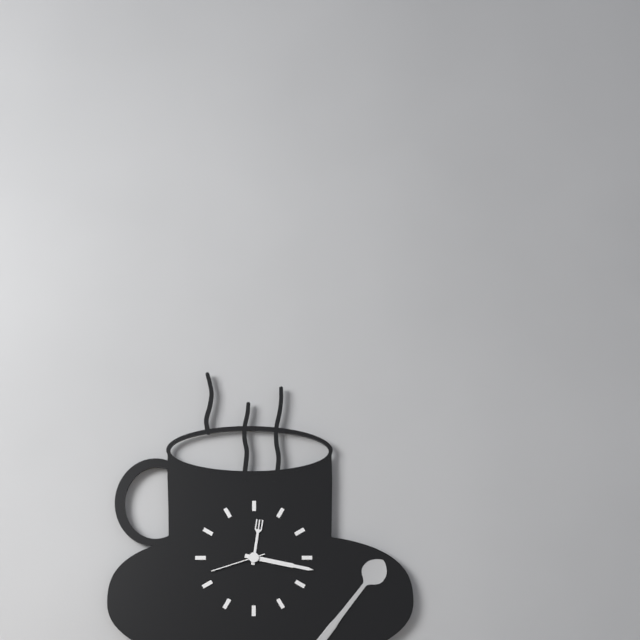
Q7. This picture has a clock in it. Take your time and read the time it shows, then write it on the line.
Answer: 12:17:42
